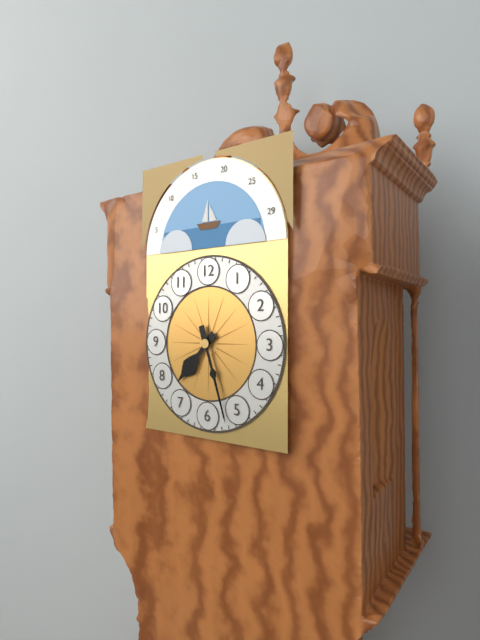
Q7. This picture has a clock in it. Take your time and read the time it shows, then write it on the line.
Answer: 7:27
